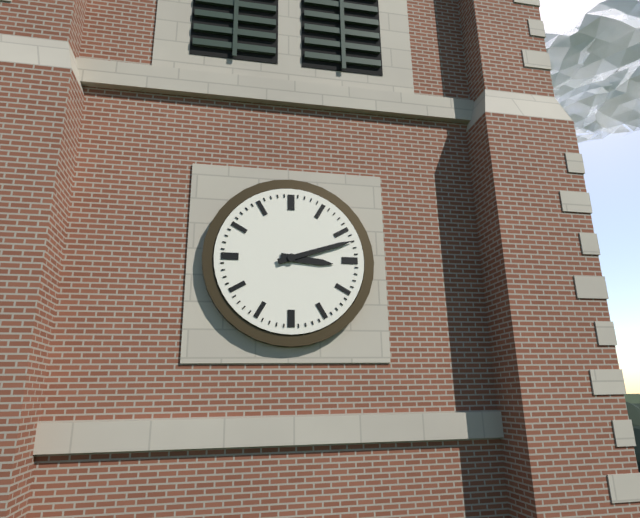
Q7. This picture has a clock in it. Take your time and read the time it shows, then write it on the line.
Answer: 3:12
